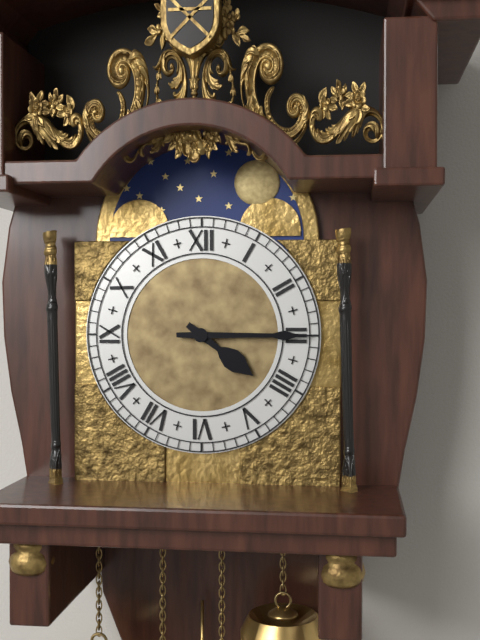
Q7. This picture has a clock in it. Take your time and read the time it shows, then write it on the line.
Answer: 4:15
